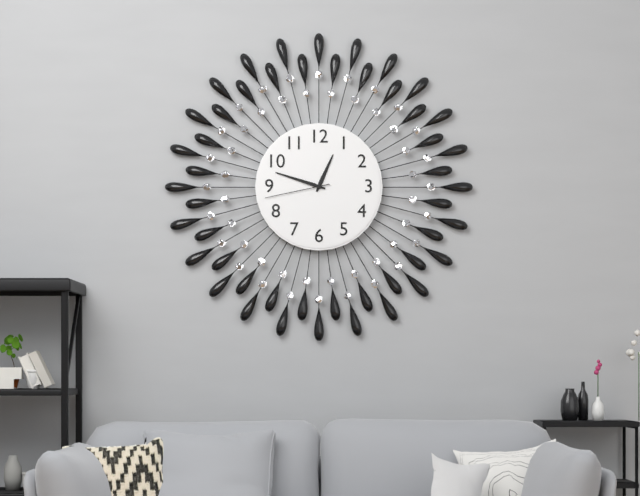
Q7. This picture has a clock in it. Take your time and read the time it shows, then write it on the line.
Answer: 12:48:43
